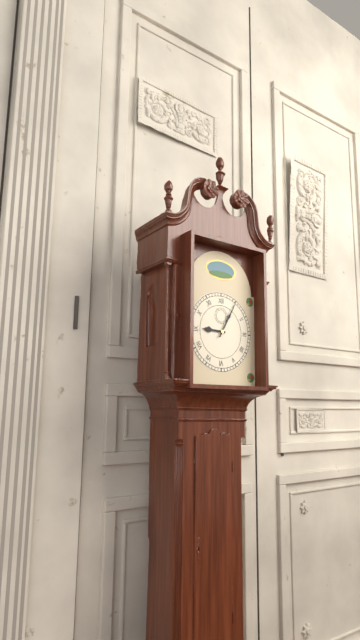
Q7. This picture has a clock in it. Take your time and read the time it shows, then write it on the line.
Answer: 9:05
